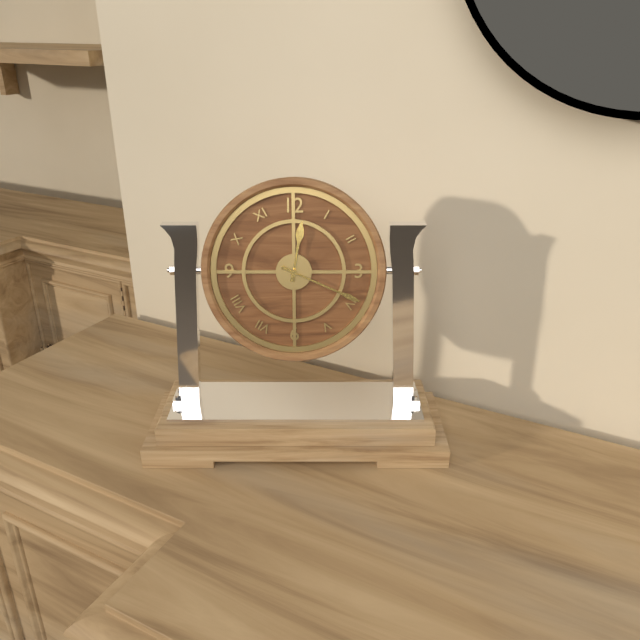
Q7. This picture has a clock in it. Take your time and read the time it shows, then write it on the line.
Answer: 12:19
